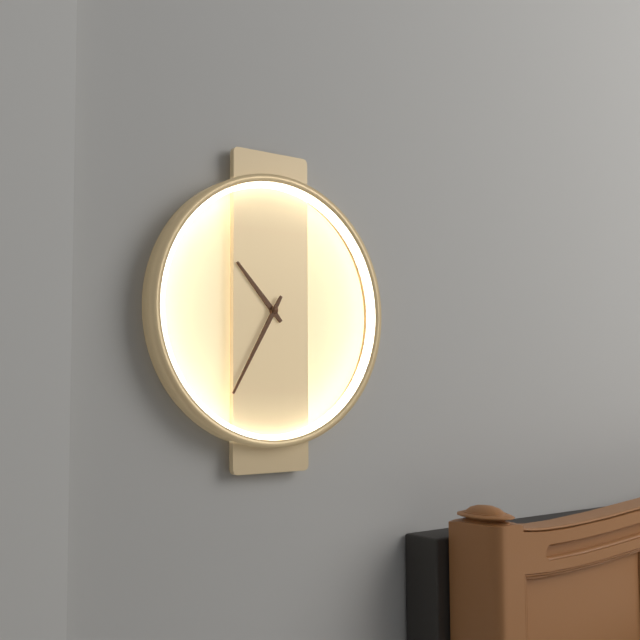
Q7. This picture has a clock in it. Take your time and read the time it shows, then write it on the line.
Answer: 10:35
